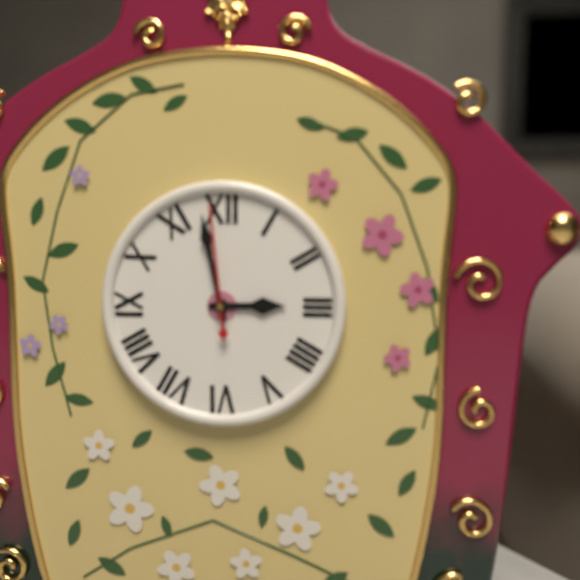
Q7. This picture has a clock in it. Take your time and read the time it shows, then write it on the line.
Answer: 2:58:59
